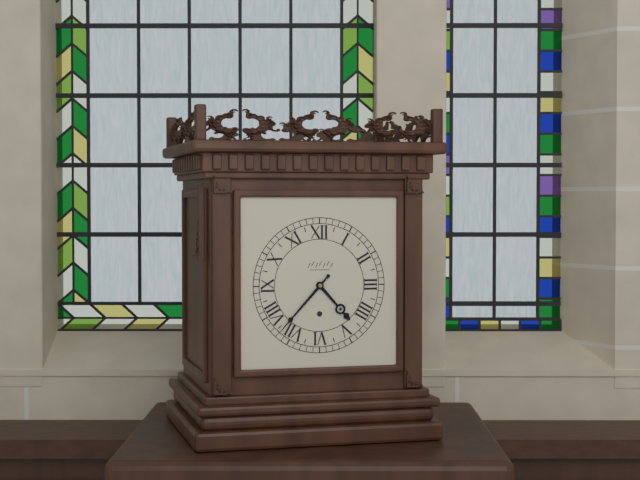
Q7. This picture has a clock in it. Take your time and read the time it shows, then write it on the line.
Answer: 4:37
